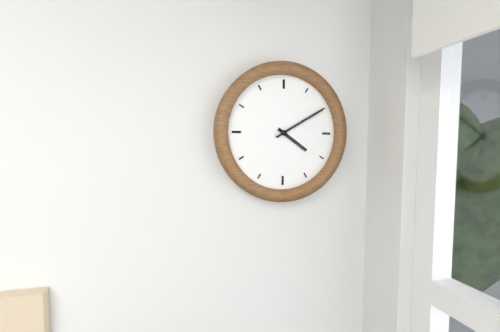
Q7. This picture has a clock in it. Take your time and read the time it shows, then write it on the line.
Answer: 4:10
